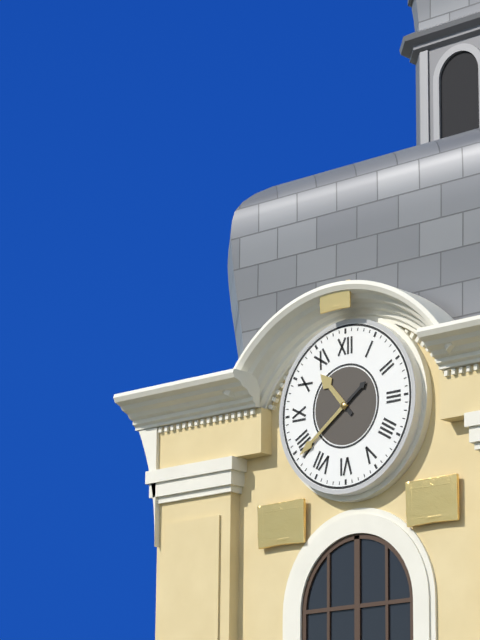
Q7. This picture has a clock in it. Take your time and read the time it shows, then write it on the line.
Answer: 10:39
